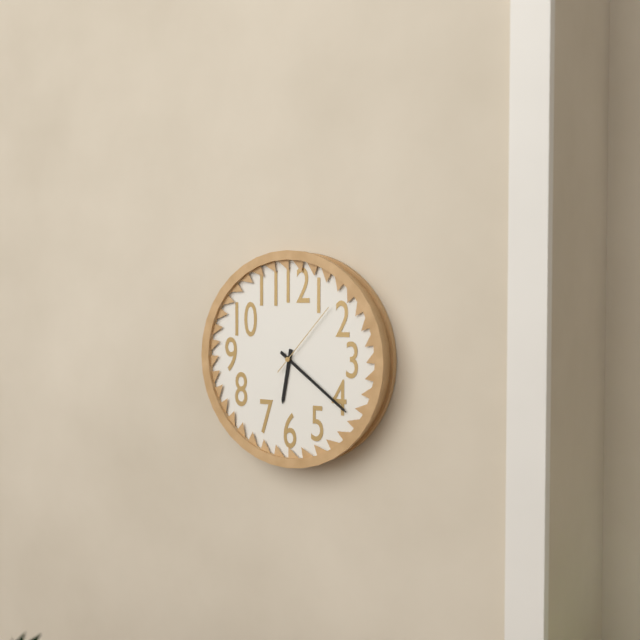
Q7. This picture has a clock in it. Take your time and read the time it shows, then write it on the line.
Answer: 6:21:07
